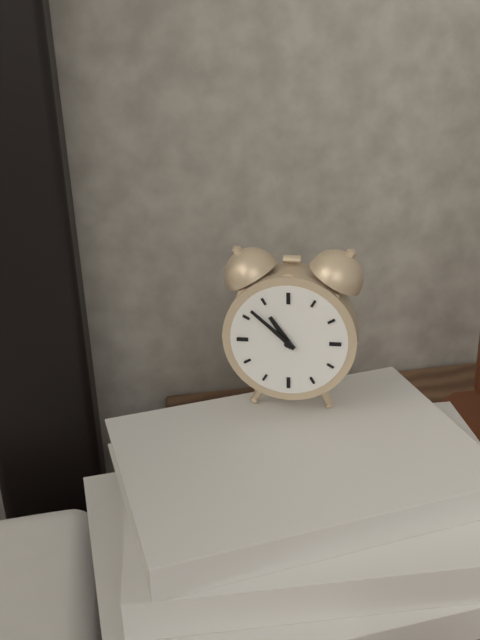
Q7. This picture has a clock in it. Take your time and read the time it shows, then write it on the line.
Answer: 10:52
